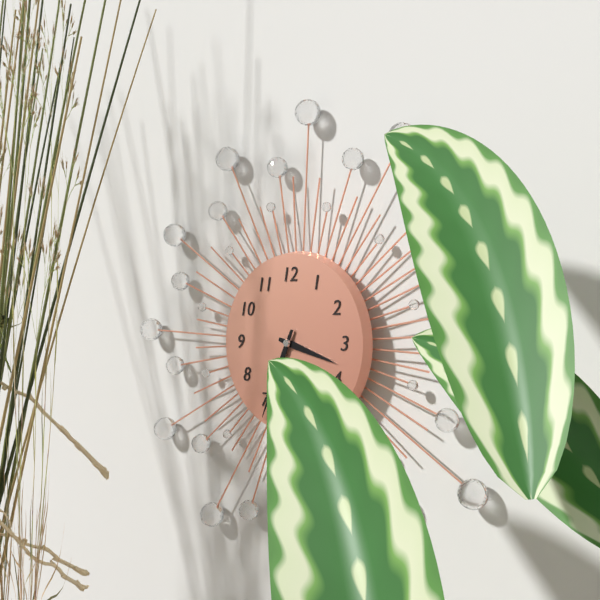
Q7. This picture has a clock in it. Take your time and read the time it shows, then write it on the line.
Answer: 3:34
